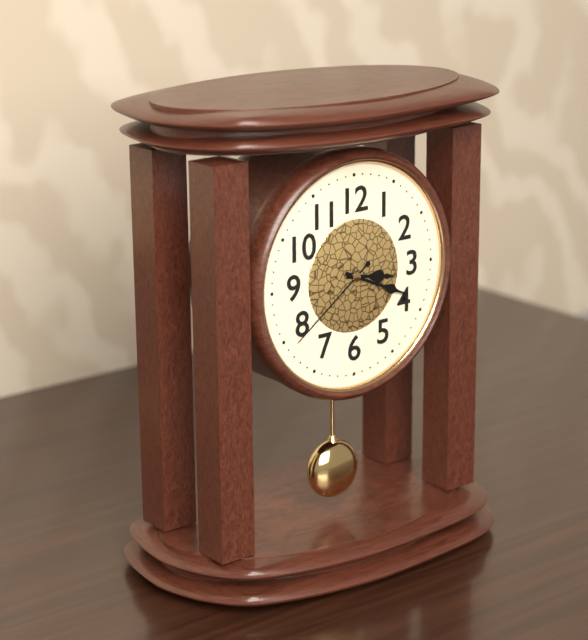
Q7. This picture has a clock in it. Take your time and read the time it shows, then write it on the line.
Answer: 3:19:39
